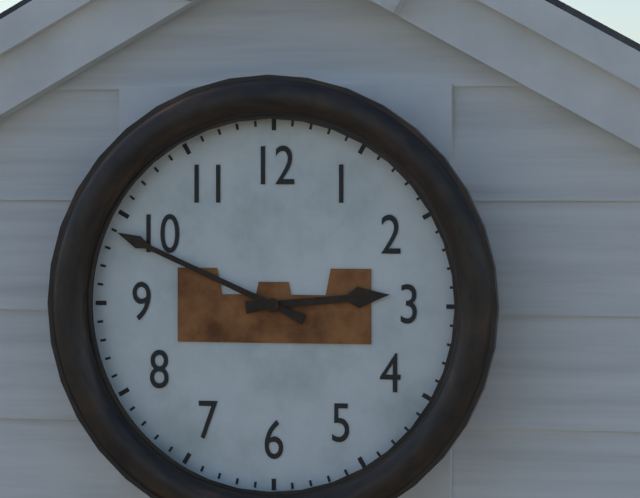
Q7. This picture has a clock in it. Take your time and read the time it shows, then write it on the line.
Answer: 2:49
